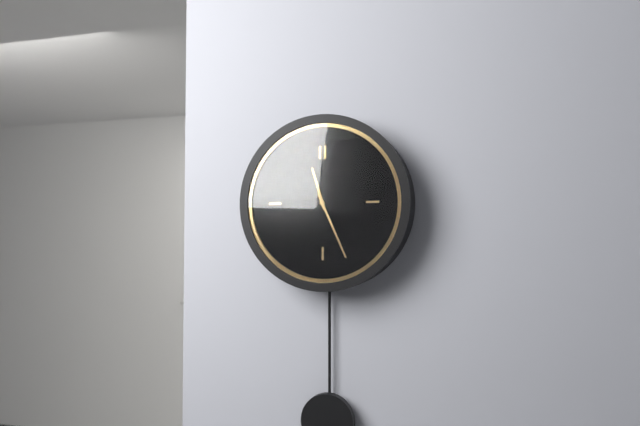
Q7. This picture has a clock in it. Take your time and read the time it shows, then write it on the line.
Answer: 11:26
